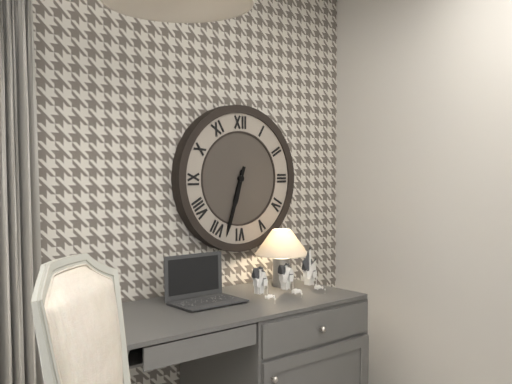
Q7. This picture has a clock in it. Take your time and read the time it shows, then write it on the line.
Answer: 6:33
